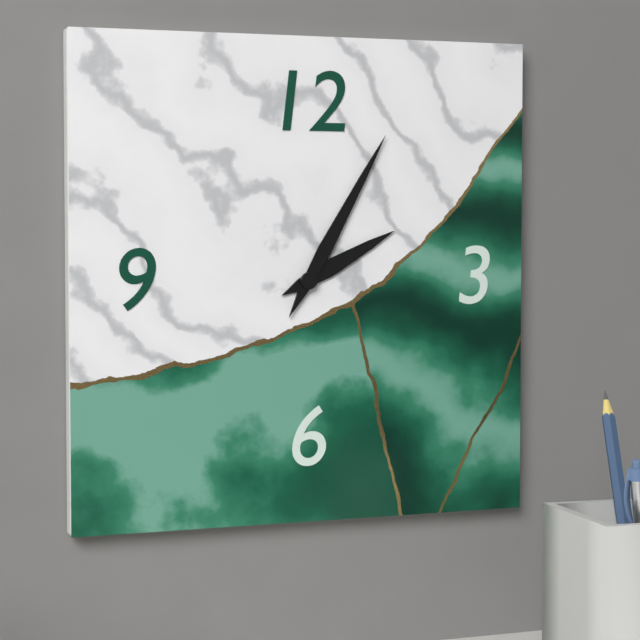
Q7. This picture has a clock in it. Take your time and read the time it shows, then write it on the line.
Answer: 2:05
